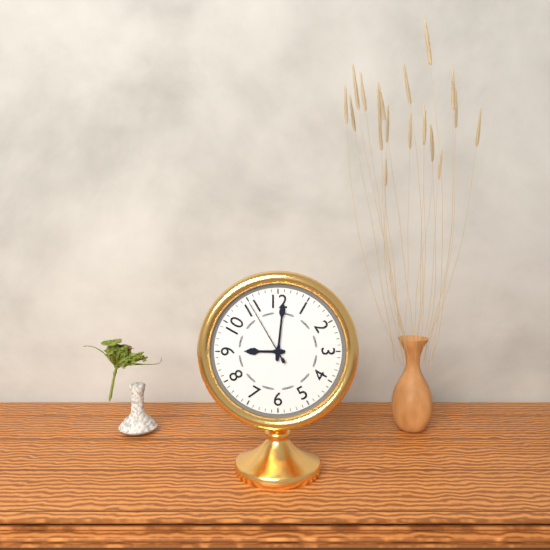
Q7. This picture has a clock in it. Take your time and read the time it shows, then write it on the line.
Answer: 9:01:55
